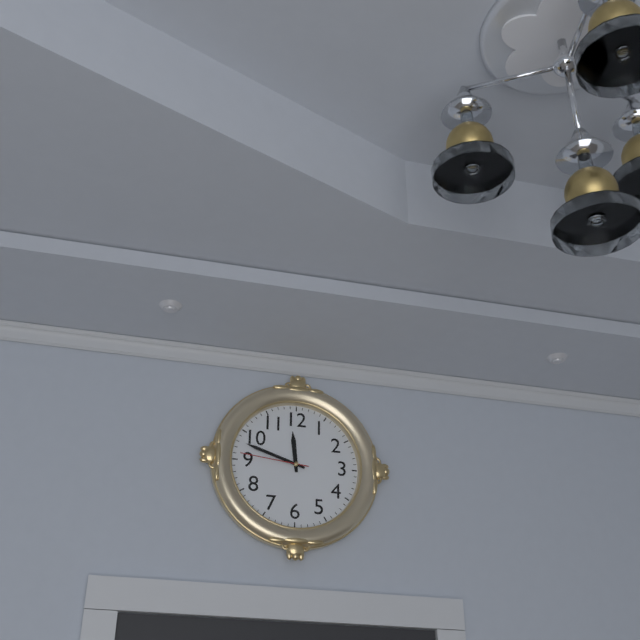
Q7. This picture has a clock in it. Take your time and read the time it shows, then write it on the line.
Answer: 11:48:46
